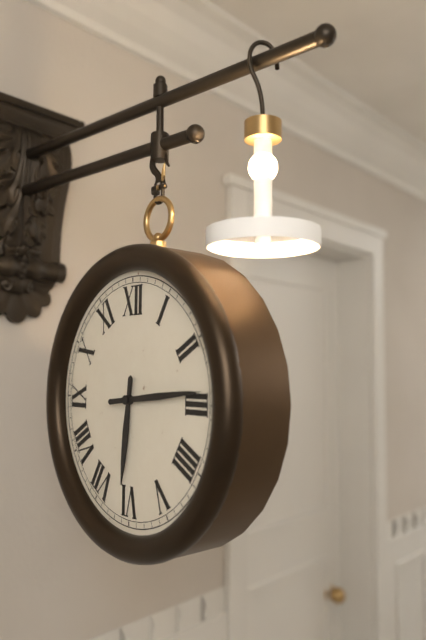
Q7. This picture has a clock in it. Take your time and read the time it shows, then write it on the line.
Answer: 6:14
